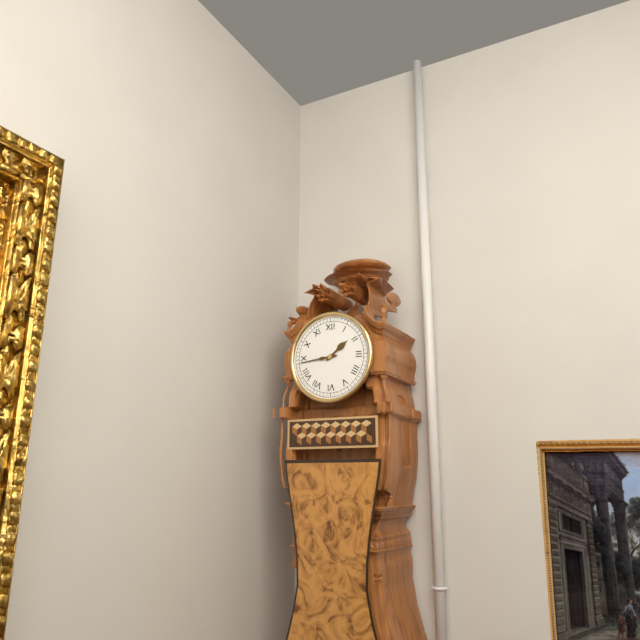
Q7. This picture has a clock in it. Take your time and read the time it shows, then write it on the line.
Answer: 1:44
